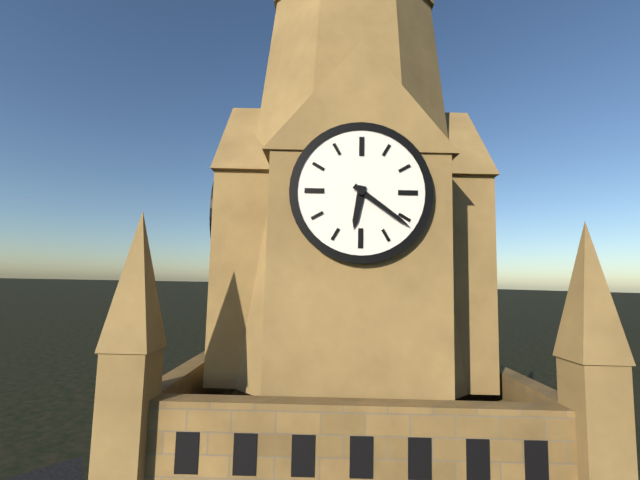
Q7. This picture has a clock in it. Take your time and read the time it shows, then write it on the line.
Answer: 6:21
